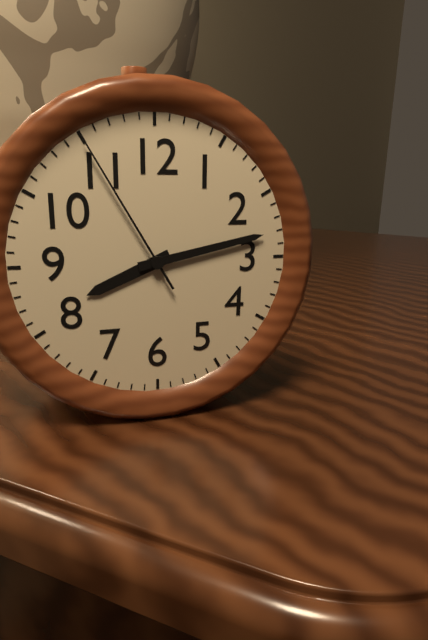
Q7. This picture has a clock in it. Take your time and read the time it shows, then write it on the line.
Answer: 8:13:55
